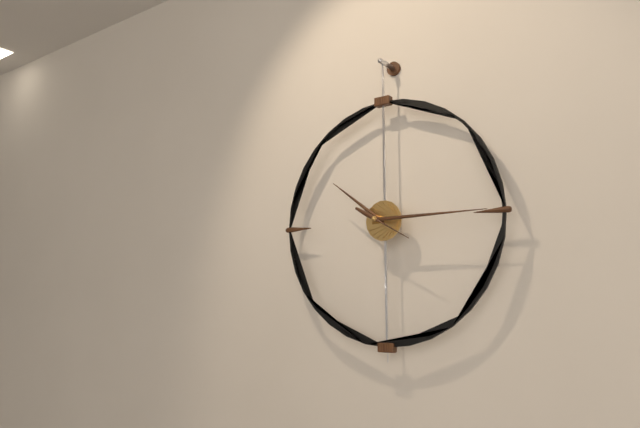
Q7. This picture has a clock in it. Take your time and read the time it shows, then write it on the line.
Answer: 10:15
